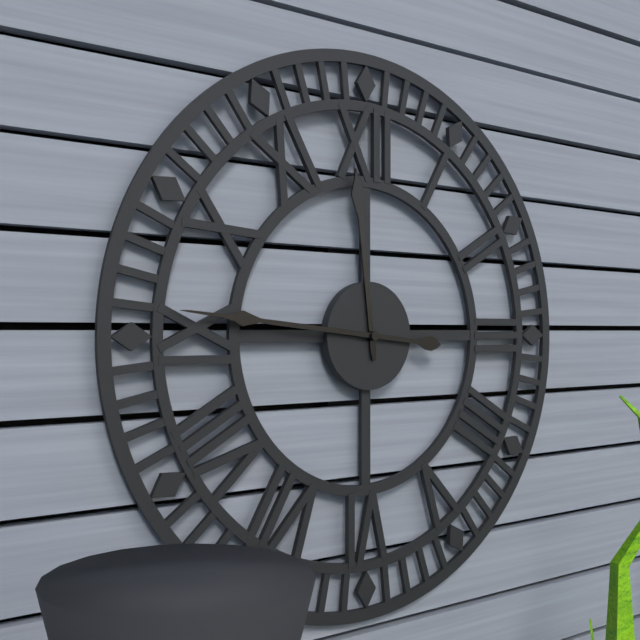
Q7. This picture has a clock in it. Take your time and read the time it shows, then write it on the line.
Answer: 11:46
